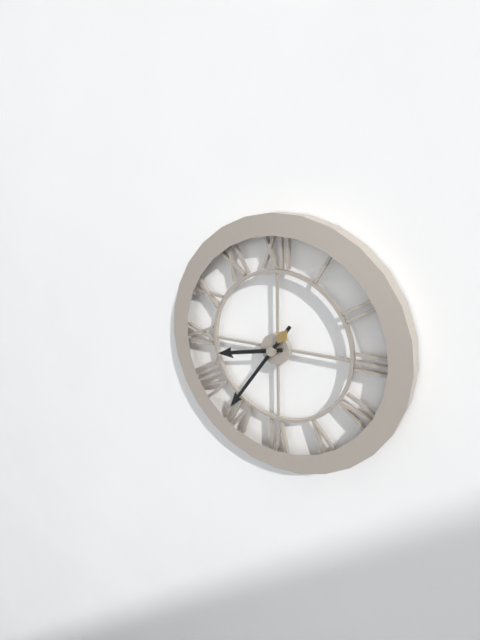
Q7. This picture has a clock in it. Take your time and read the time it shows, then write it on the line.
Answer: 8:36
